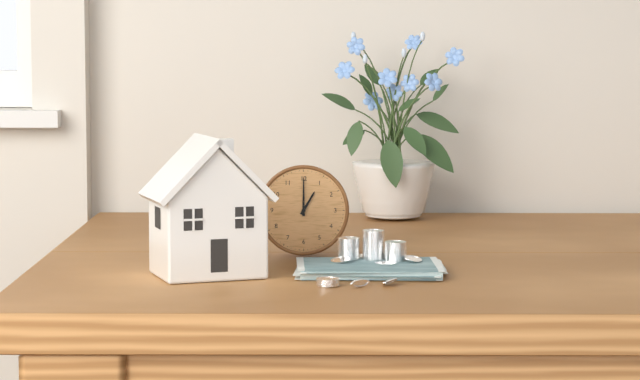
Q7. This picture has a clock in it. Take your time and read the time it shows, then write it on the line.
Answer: 1:00
